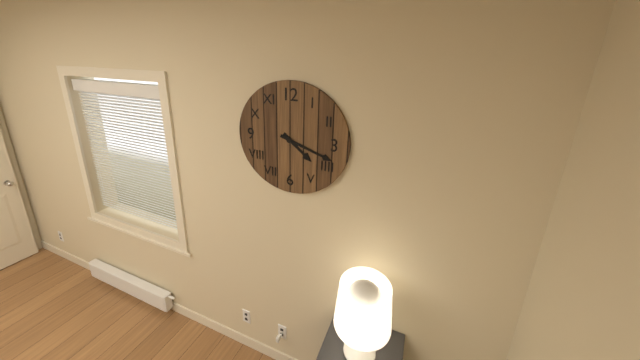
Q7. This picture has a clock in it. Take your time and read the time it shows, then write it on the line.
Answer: 4:18
